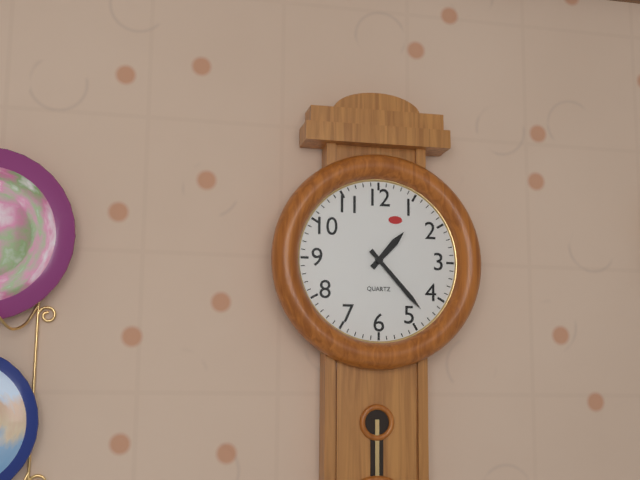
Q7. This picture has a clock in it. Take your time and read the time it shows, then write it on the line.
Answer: 1:23
